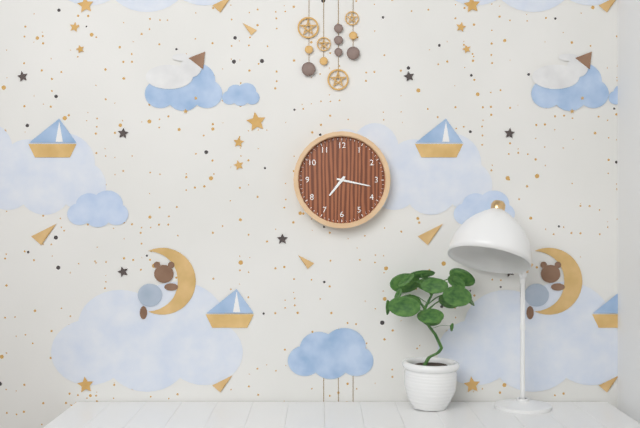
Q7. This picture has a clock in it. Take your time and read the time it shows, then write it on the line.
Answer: 7:17
